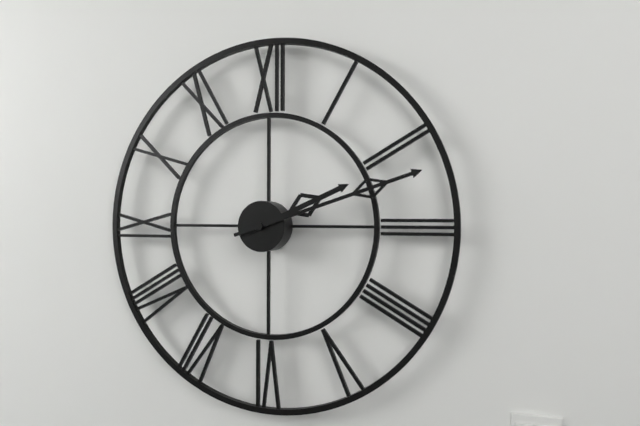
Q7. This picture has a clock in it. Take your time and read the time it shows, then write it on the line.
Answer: 2:12
